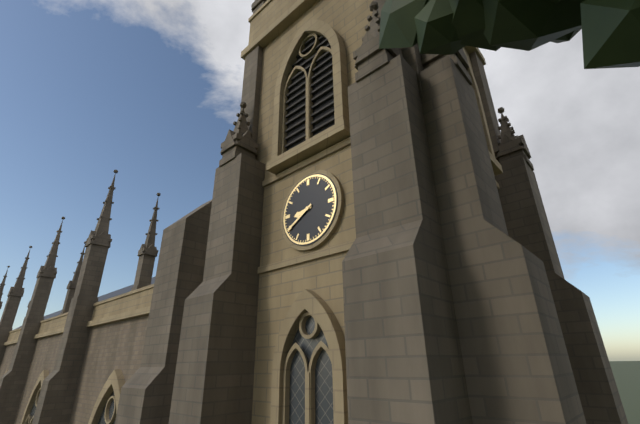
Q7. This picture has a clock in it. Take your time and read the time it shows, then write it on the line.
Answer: 8:40
